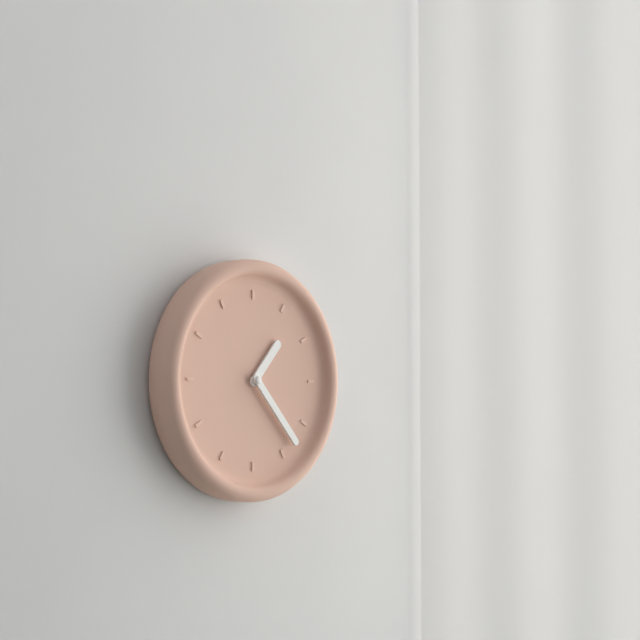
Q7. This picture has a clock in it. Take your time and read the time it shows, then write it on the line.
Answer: 1:23
